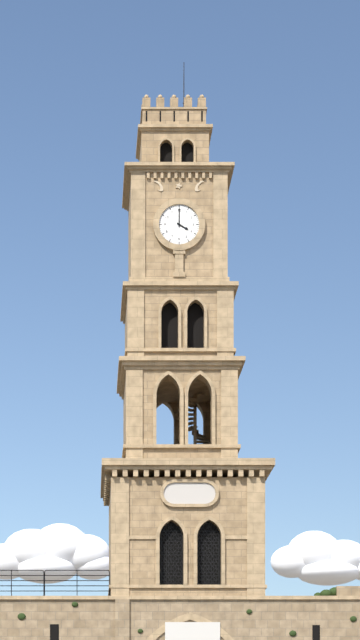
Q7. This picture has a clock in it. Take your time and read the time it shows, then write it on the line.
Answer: 4:00
